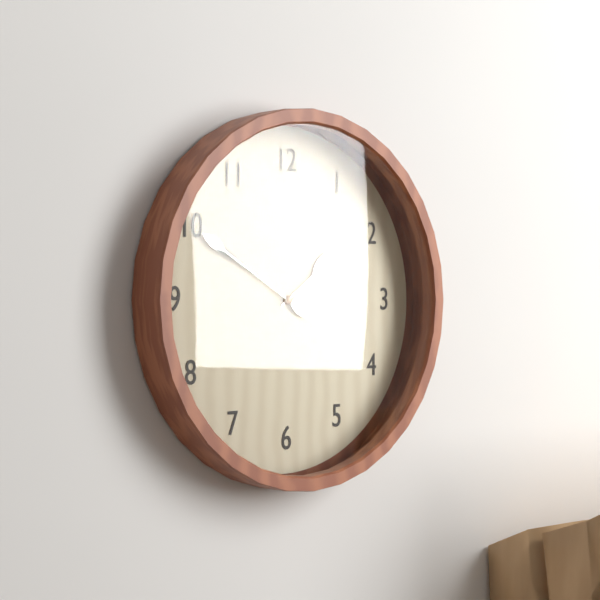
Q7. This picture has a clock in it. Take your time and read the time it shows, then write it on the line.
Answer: 1:50
